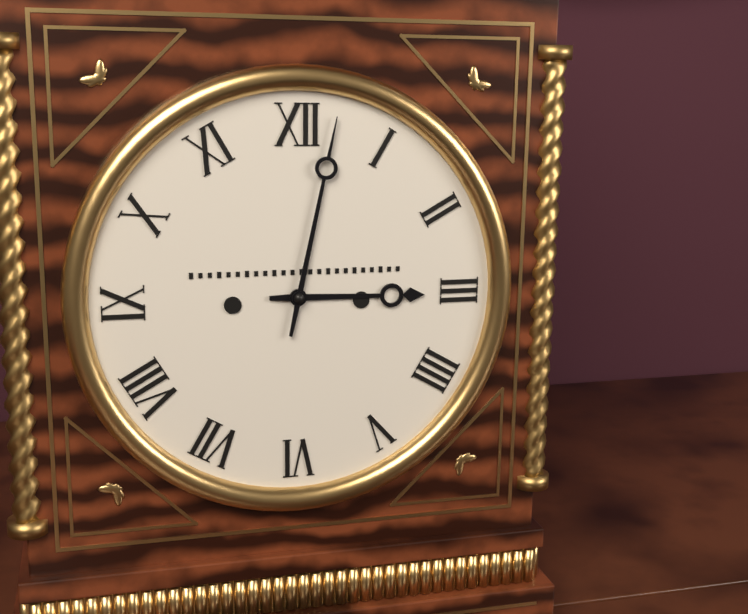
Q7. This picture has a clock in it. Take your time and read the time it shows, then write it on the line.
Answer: 3:02
